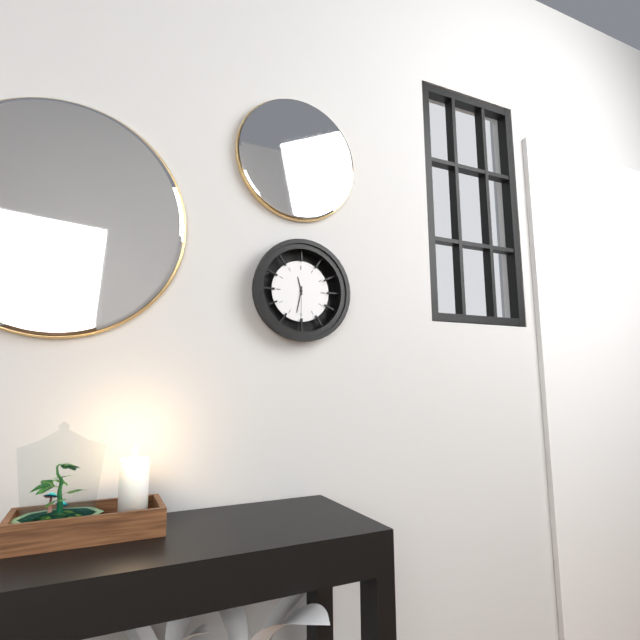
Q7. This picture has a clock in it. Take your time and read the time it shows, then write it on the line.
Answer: 11:32
